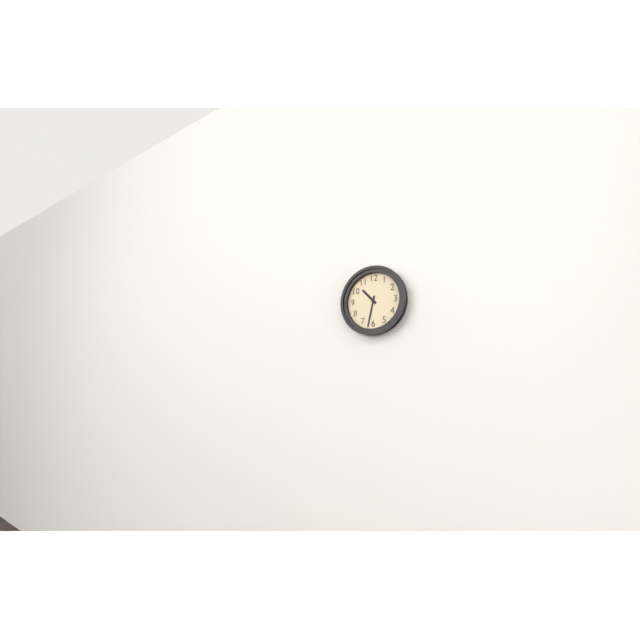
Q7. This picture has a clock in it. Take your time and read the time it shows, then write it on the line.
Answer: 10:32
